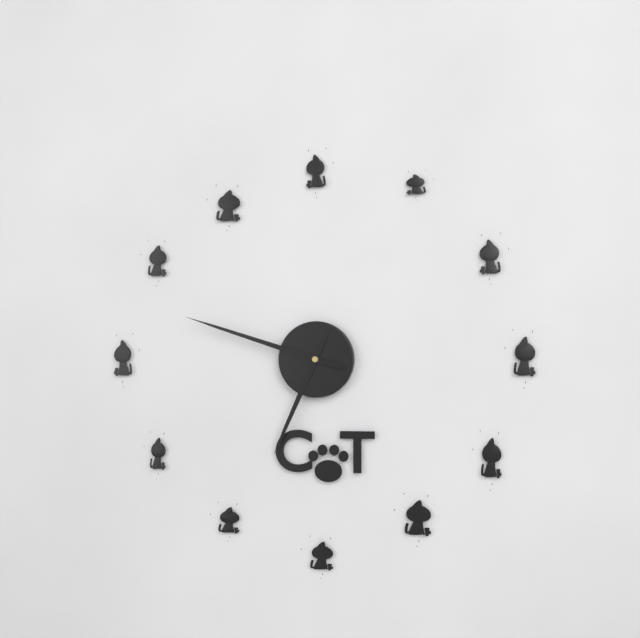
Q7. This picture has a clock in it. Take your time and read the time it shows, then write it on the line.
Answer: 6:48
